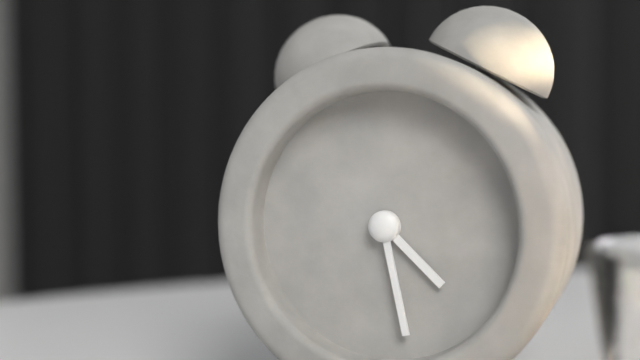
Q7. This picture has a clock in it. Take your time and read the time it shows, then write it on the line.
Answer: 4:28
